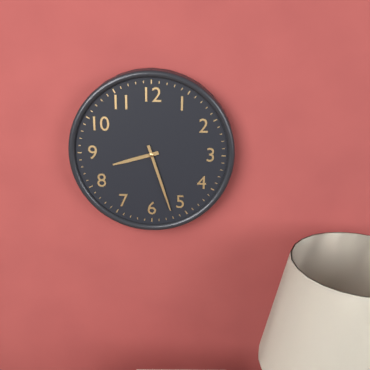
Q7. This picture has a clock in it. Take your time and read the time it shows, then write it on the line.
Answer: 8:27
